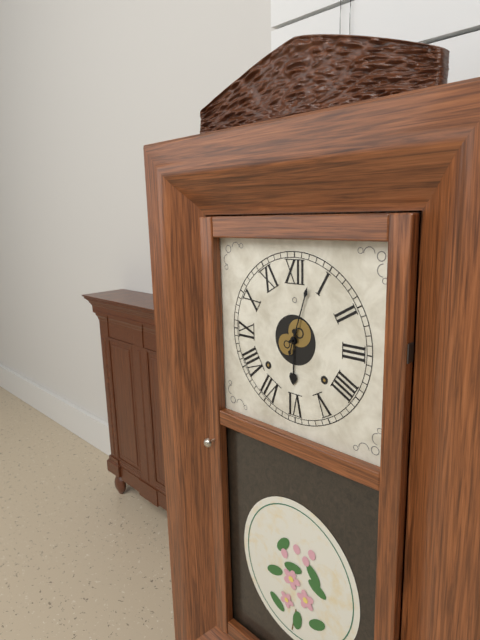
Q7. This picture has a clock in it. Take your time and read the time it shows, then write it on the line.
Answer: 6:03
